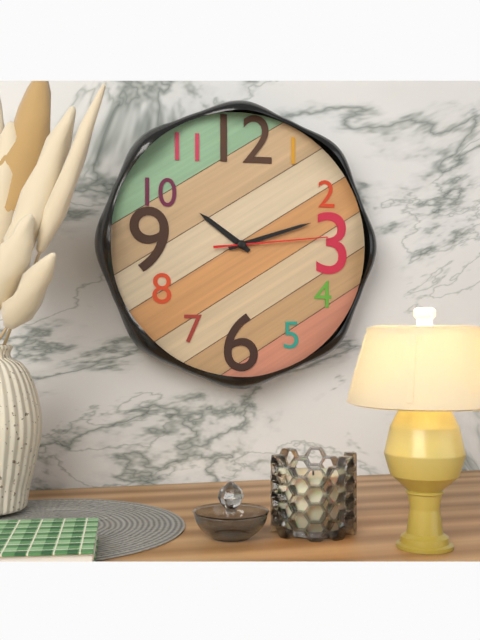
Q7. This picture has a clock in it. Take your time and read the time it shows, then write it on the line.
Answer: 10:12:14
